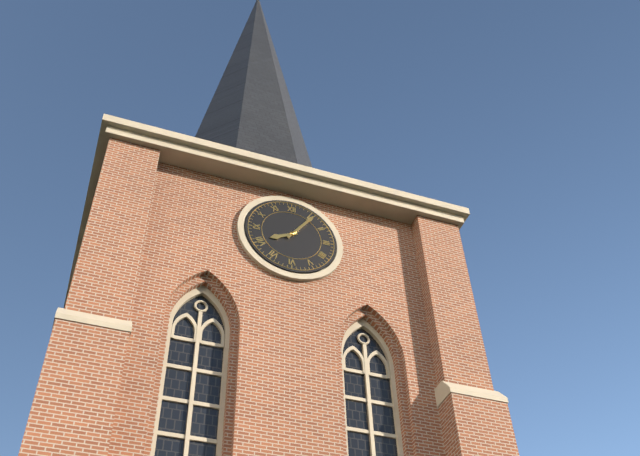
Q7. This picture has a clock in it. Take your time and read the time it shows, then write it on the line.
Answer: 8:06
